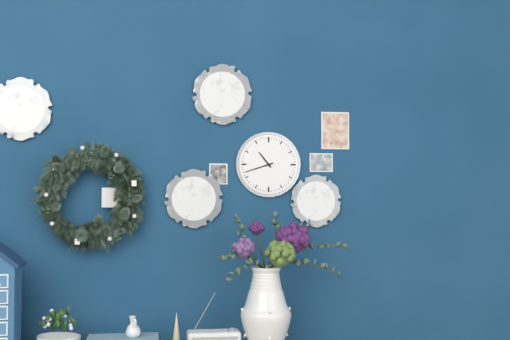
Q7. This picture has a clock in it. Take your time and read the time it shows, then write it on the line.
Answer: 10:42
